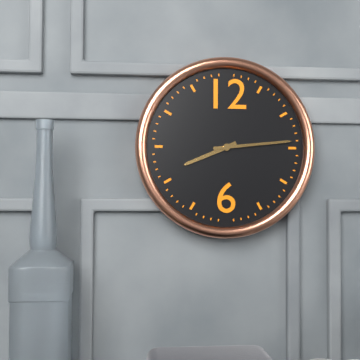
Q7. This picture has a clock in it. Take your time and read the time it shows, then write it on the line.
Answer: 8:14
